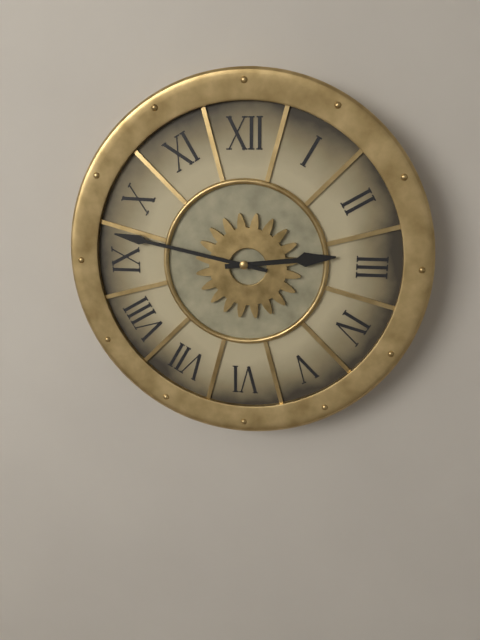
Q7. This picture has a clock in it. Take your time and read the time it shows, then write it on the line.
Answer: 2:47
